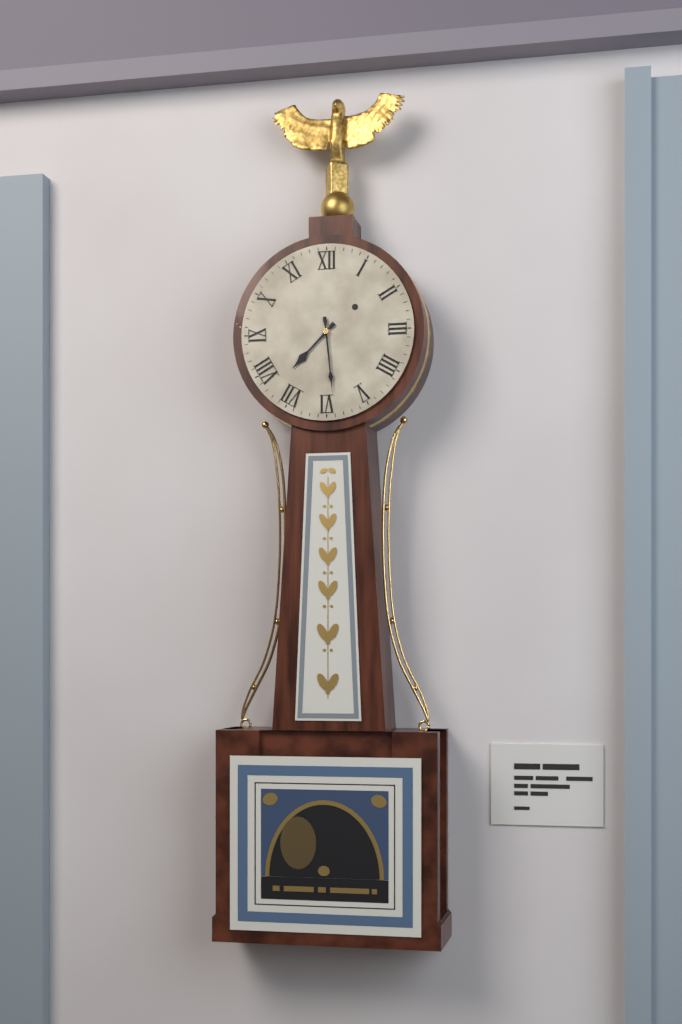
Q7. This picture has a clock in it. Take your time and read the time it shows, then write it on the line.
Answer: 7:29
